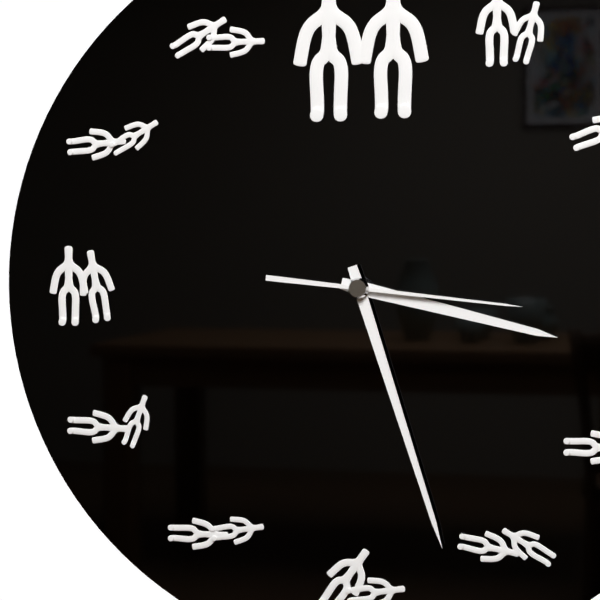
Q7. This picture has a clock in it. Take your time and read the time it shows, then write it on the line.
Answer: 3:27:16
